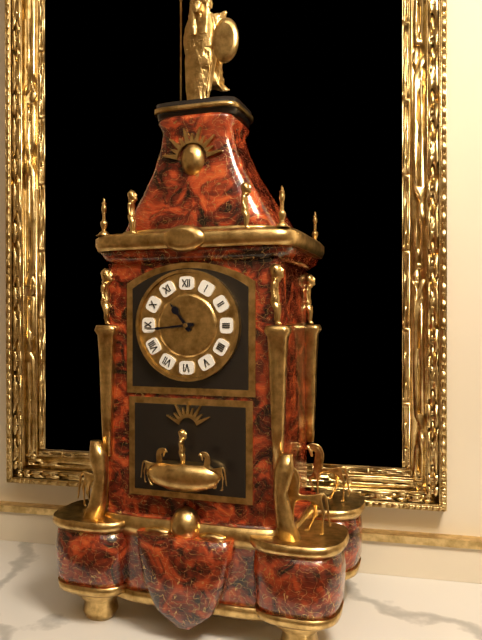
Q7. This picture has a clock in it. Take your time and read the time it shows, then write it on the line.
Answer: 10:44
